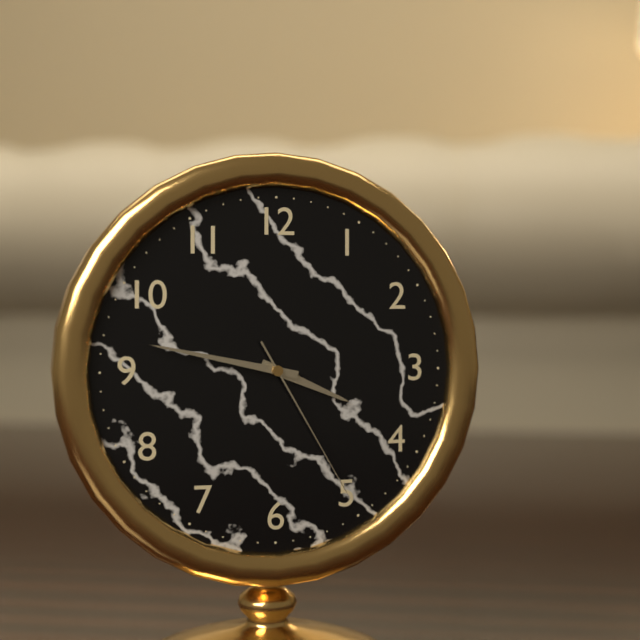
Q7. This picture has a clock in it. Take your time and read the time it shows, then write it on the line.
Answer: 3:47:25
